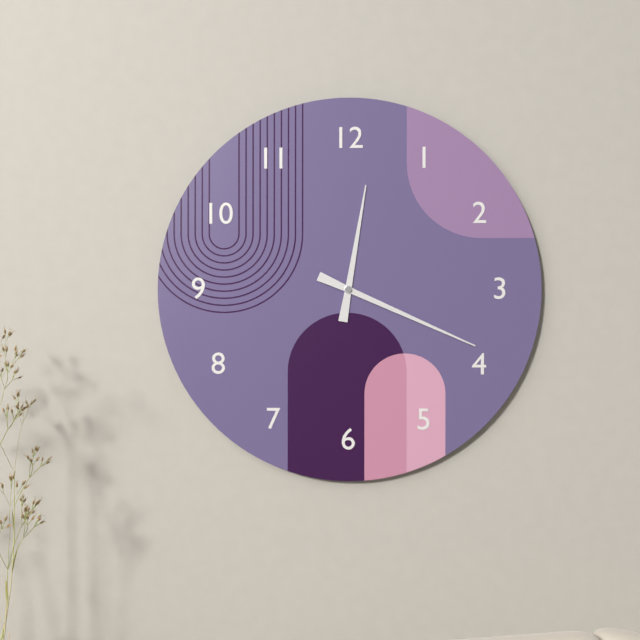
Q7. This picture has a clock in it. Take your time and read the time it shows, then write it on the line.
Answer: 12:19
